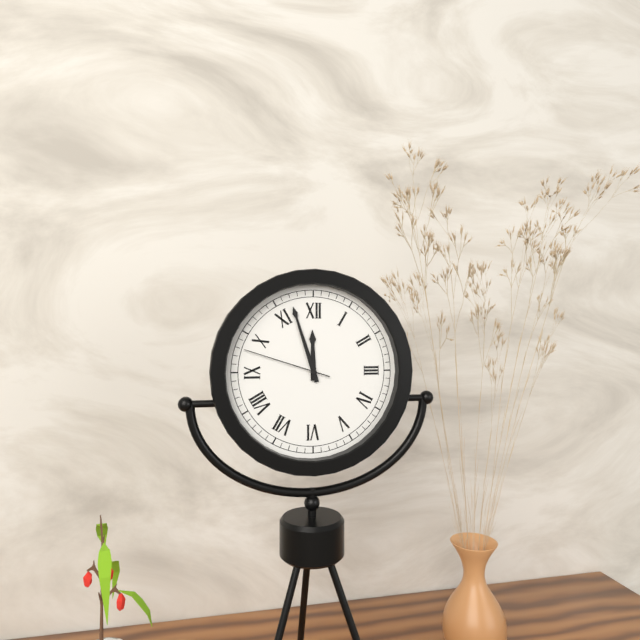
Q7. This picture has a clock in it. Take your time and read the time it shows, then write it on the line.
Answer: 11:57:48
